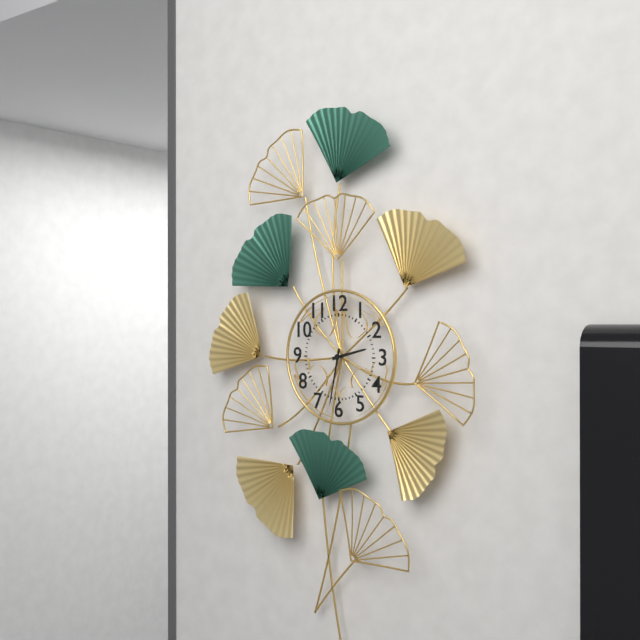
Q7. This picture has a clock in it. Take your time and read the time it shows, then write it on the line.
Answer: 2:32
